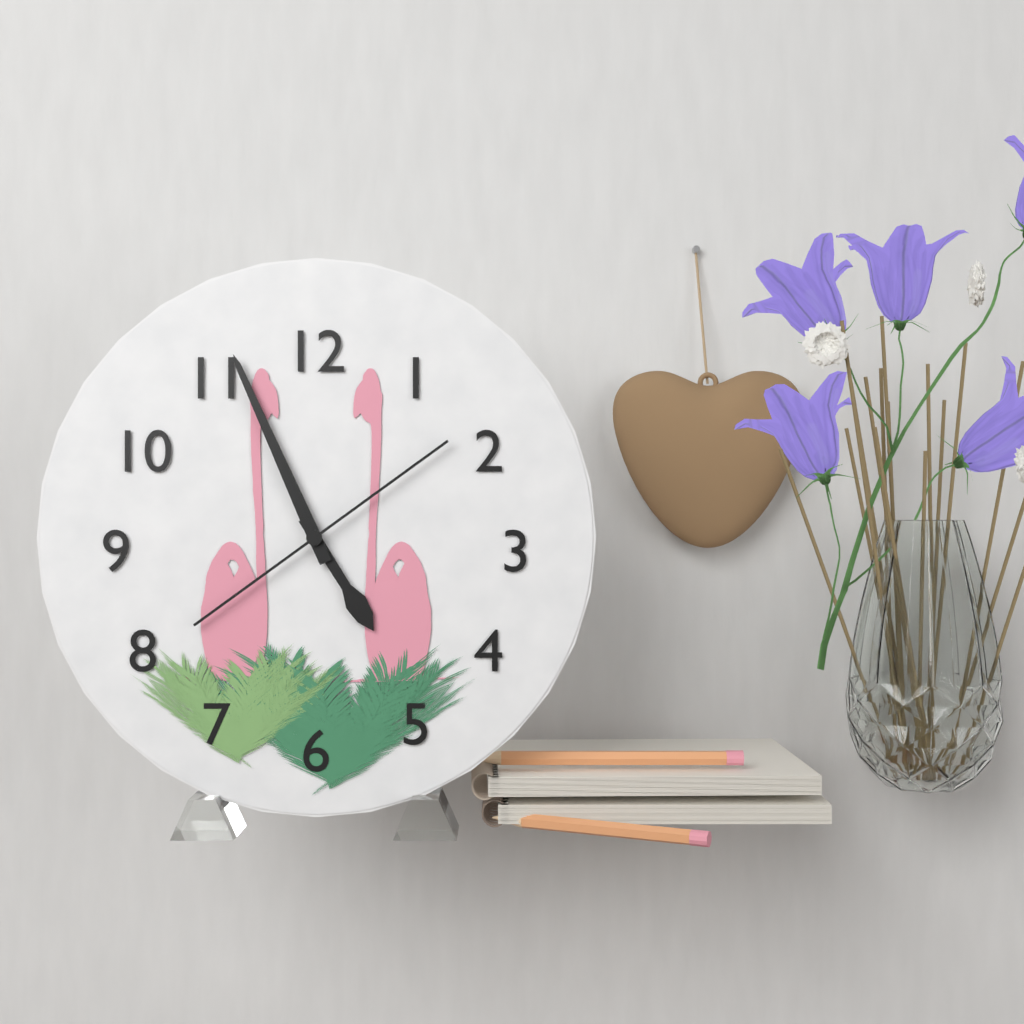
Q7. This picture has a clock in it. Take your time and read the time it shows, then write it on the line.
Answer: 4:56:09
